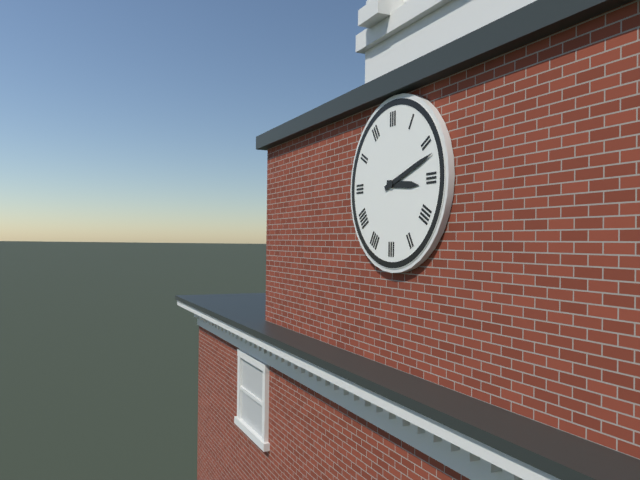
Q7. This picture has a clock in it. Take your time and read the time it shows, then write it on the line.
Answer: 3:12
